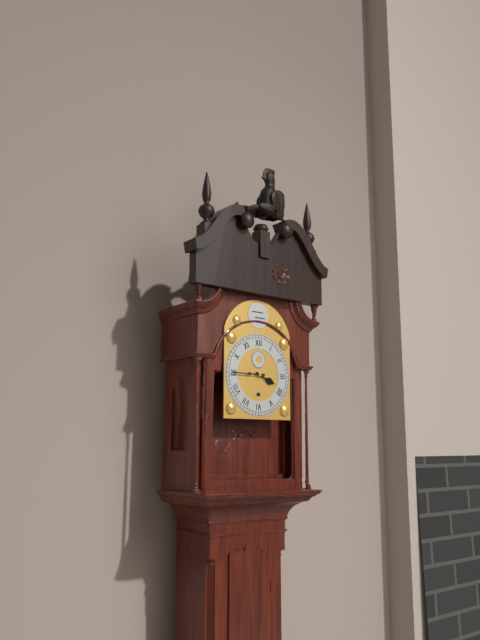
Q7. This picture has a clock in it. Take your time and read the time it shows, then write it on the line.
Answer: 3:45
